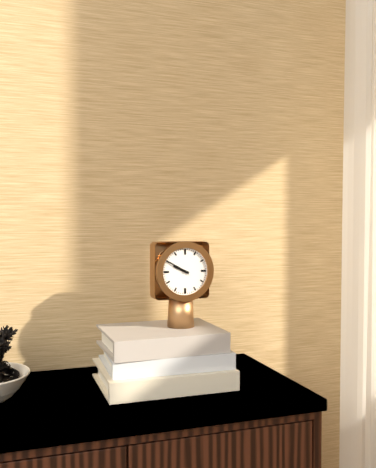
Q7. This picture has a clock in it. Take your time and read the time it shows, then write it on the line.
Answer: 9:50
